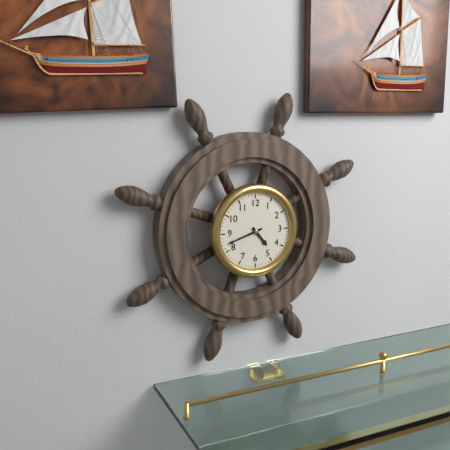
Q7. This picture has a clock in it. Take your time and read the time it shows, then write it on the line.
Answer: 4:42
